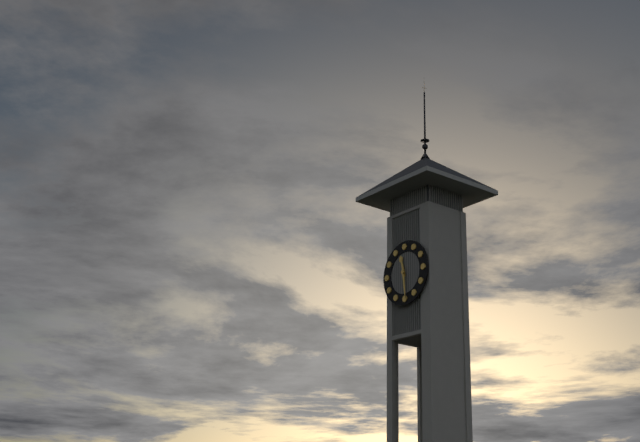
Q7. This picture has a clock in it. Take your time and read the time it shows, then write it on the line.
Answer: 11:29
